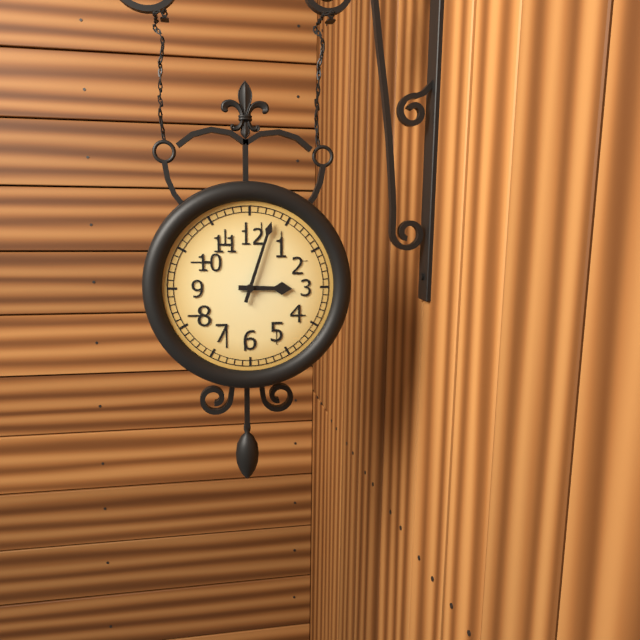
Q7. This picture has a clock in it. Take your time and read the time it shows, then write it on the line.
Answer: 3:03
